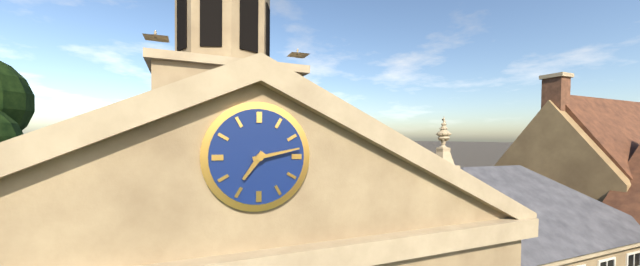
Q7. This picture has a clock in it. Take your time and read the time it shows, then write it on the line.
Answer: 7:13
